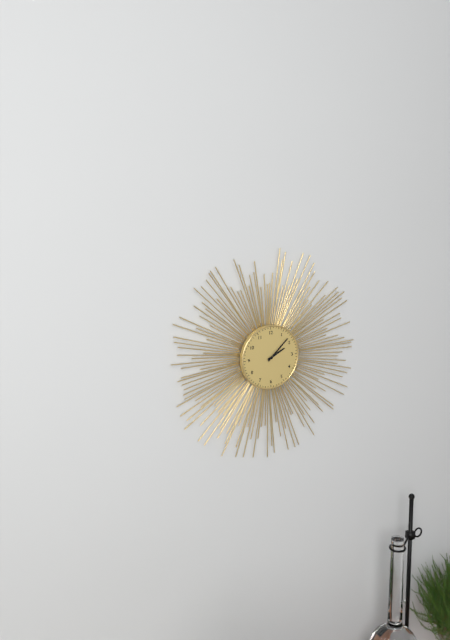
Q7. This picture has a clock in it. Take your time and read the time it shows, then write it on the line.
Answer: 2:08
